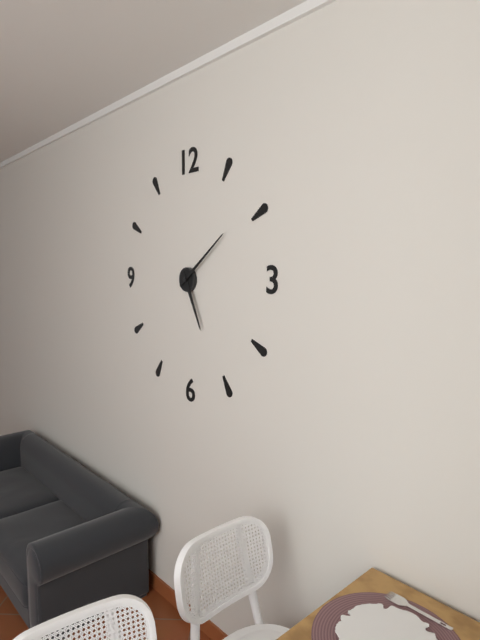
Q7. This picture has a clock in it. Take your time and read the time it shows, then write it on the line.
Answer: 5:09
